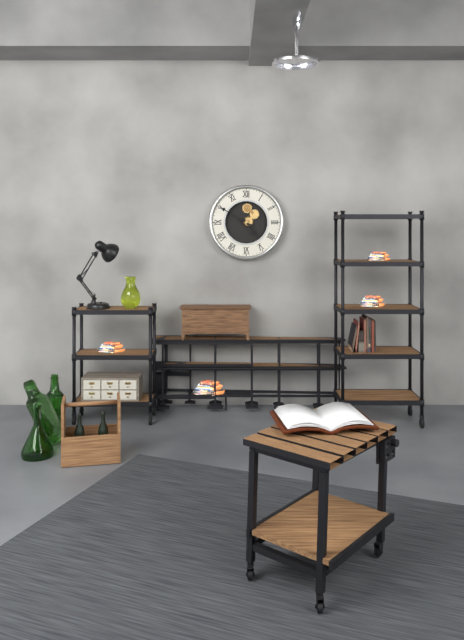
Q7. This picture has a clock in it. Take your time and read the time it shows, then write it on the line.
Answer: 4:50
